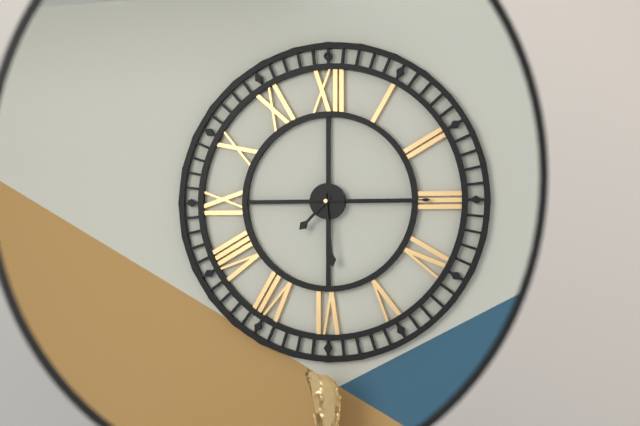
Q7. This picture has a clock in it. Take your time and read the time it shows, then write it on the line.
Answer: 7:29:15
